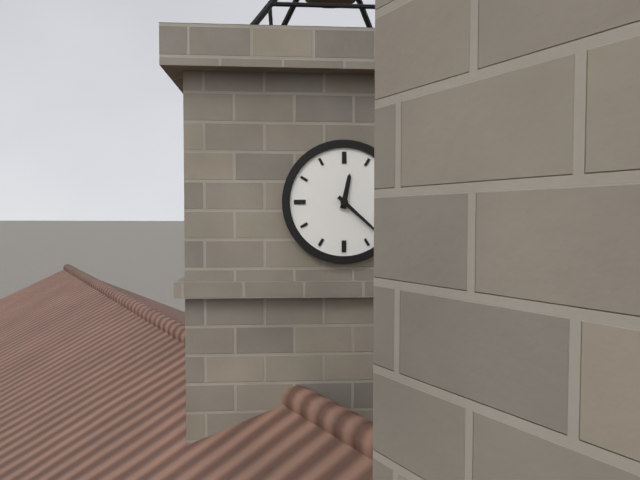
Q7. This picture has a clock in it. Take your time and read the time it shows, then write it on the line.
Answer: 12:22
